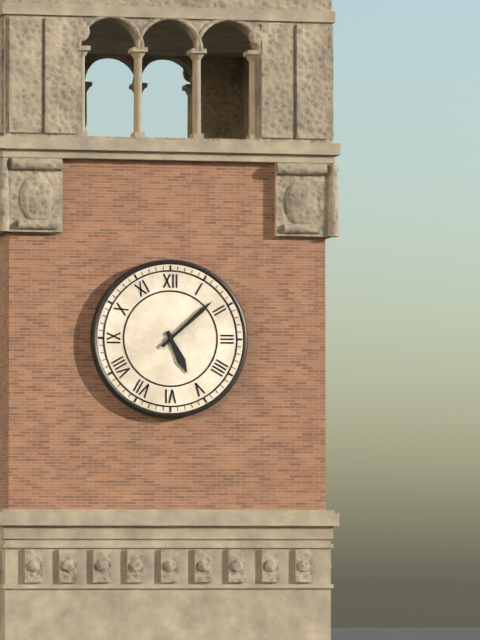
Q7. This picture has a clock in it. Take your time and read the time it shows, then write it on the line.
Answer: 5:08
